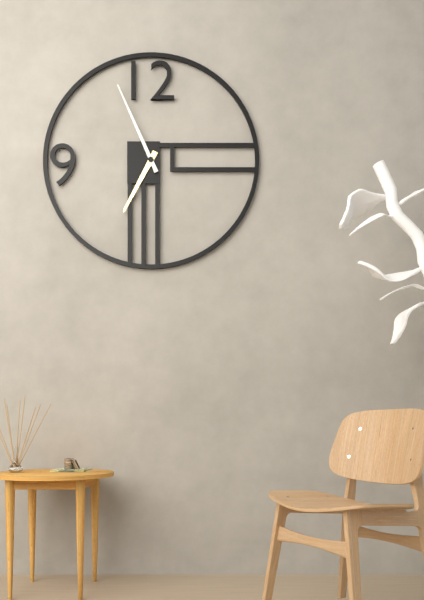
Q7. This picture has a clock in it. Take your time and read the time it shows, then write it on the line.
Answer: 6:56
